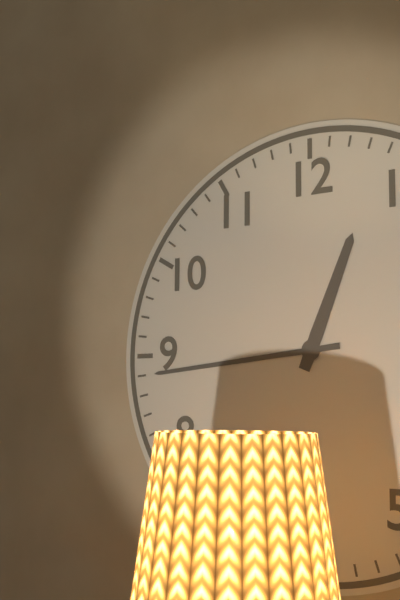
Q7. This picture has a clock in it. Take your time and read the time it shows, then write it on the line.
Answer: 12:44
